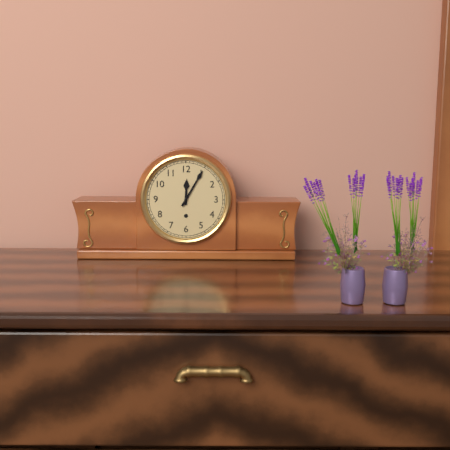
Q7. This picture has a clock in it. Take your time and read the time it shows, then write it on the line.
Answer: 12:05
